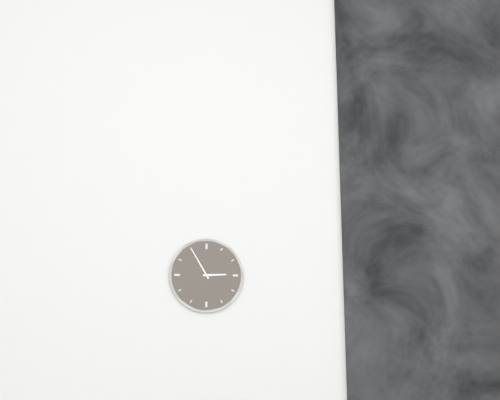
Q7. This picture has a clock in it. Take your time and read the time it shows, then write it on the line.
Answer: 2:55
